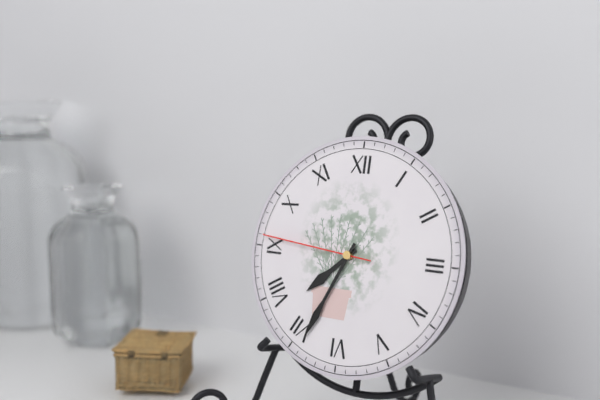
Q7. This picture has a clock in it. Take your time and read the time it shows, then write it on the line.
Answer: 7:34:46
